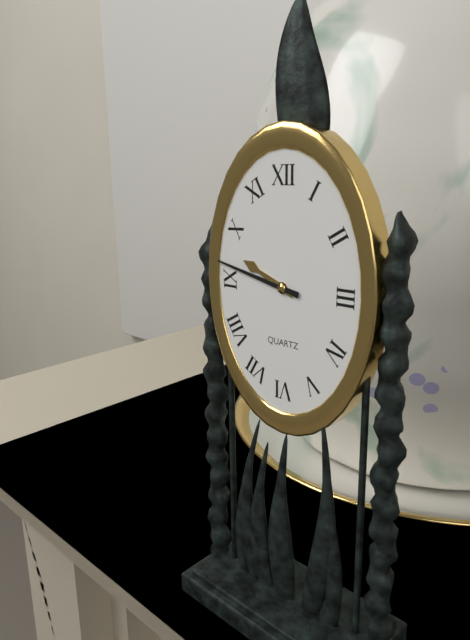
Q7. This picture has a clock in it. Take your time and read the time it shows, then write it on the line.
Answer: 9:47
